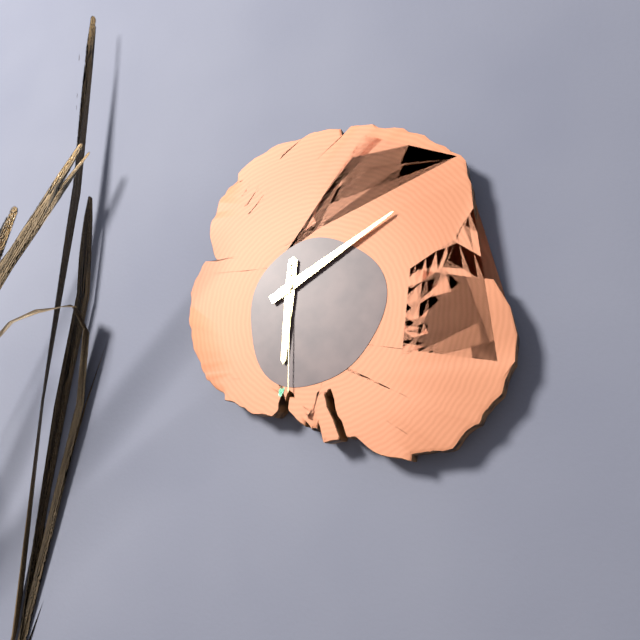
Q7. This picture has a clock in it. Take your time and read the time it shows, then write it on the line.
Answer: 6:10:30
